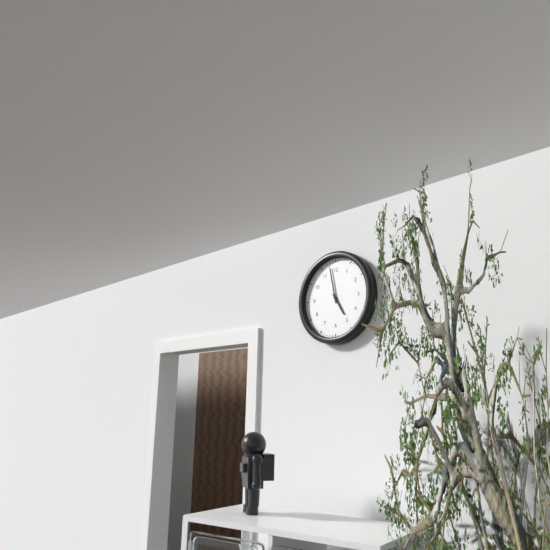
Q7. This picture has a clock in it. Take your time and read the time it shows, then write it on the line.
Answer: 4:58
